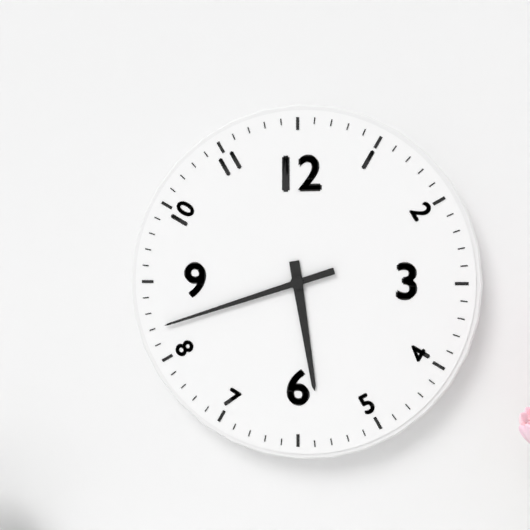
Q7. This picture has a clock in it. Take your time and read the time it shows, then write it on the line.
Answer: 5:42
